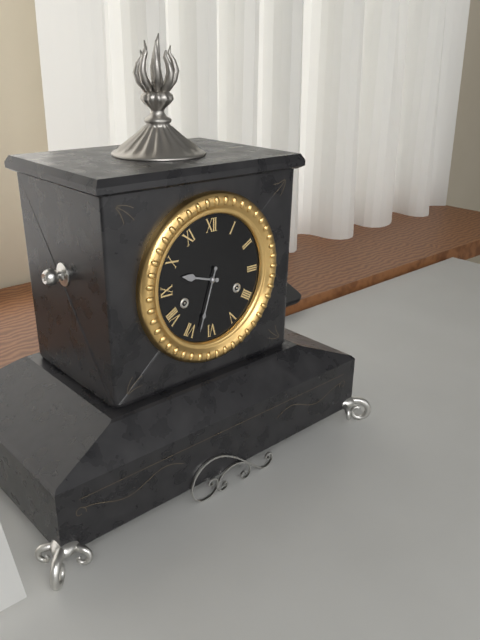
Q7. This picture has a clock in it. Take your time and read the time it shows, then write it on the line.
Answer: 9:33
